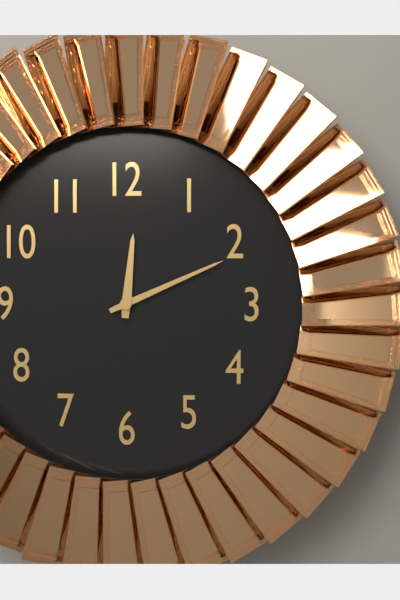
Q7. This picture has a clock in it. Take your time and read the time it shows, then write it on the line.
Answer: 12:11
